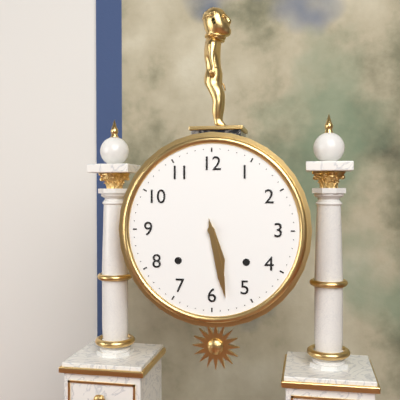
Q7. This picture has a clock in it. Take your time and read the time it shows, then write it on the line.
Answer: 5:28
